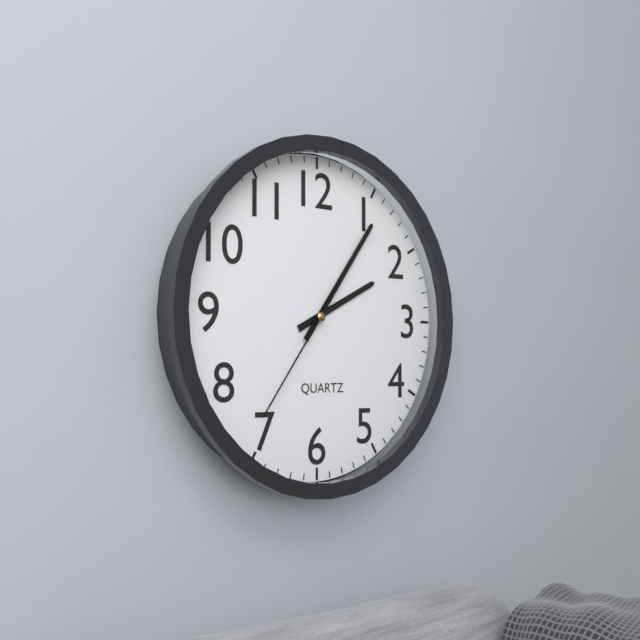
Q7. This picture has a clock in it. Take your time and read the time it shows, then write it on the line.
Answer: 2:06:36
